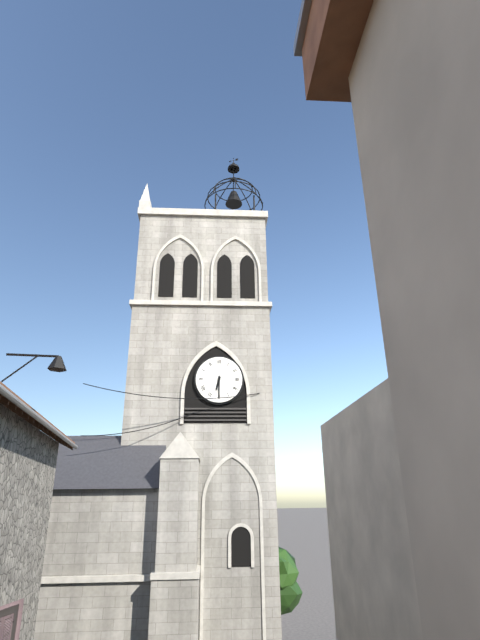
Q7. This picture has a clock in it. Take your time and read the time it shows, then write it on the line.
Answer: 6:30
